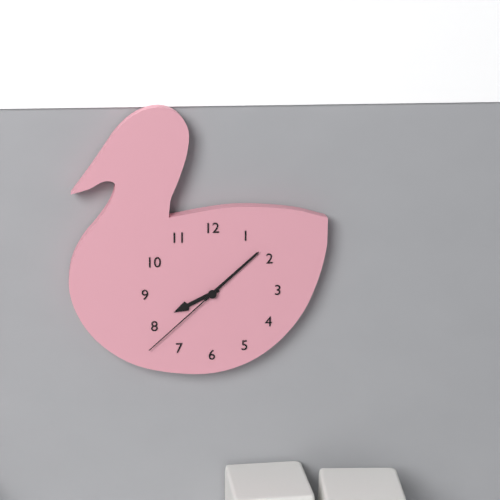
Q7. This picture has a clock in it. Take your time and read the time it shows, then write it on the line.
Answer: 8:08:38
